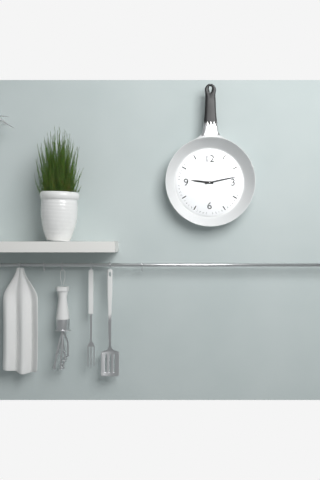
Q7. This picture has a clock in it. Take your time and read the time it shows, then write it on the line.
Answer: 9:13
